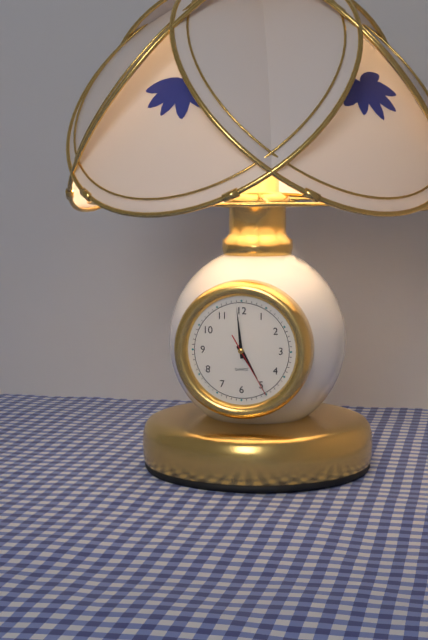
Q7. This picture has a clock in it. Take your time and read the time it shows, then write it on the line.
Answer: 4:59:25
